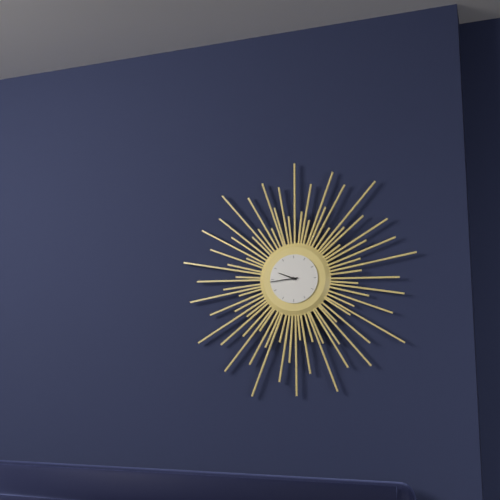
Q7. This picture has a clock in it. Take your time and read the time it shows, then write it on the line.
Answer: 9:44
